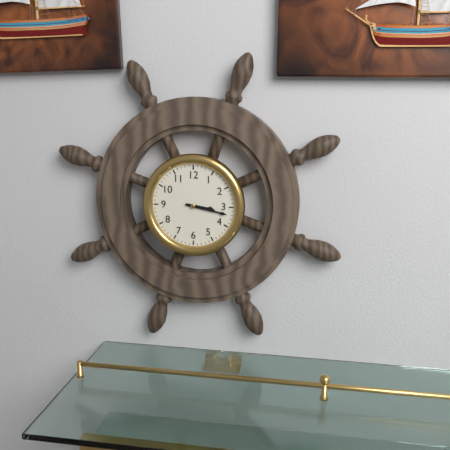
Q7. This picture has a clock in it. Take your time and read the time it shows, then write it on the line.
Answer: 3:17
